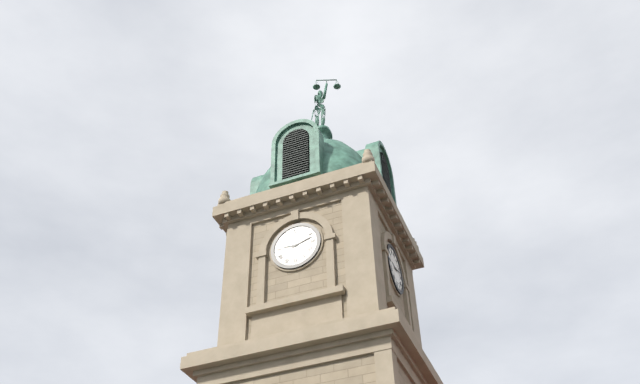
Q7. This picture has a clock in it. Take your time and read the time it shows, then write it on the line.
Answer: 9:12
